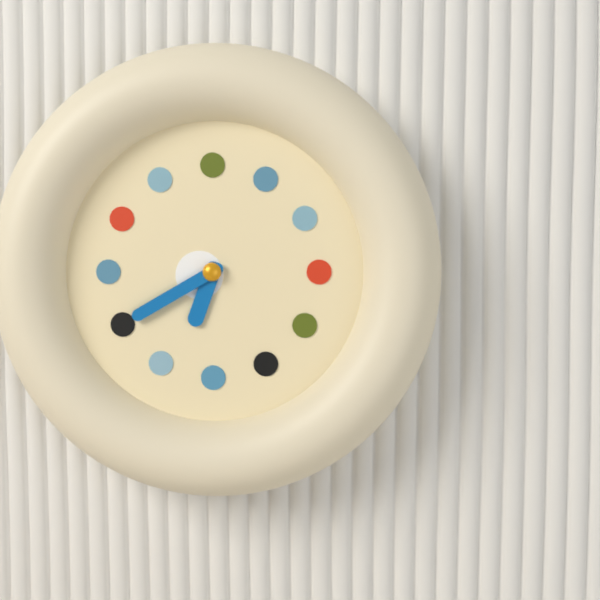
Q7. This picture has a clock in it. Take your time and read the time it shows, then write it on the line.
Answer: 6:40
